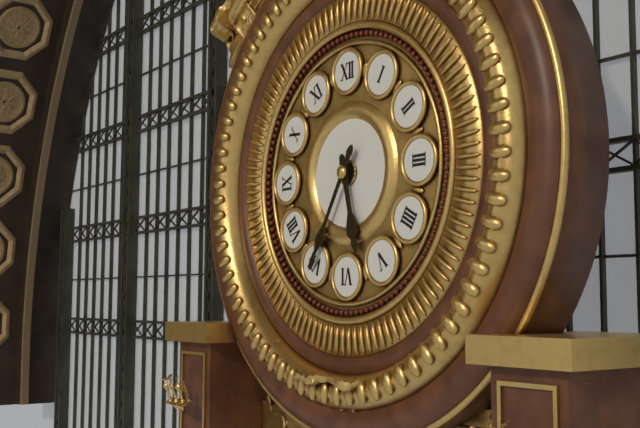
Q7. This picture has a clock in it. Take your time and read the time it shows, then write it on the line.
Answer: 5:35
